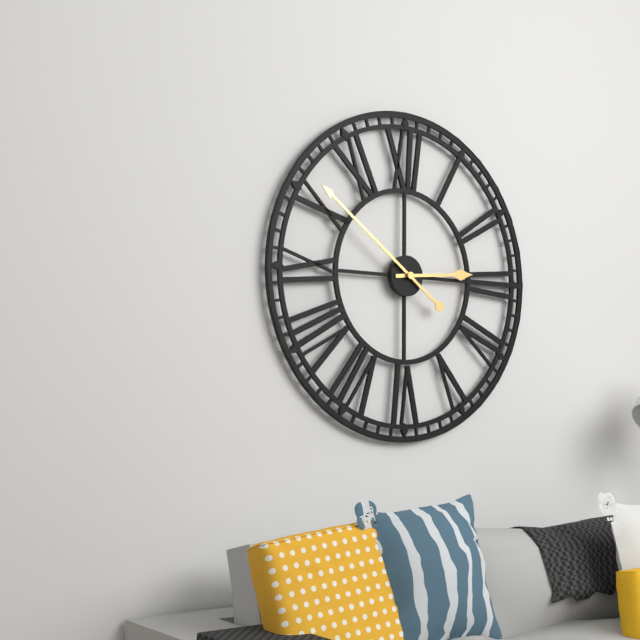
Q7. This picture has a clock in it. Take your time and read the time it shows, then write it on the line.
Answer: 2:51
